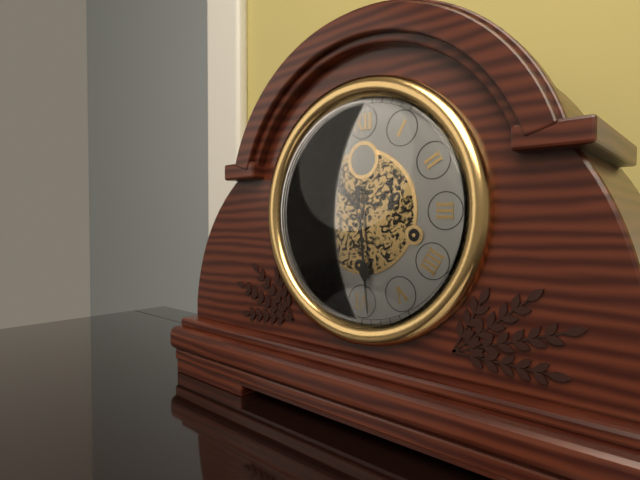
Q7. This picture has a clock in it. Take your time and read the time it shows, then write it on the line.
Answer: 10:29
